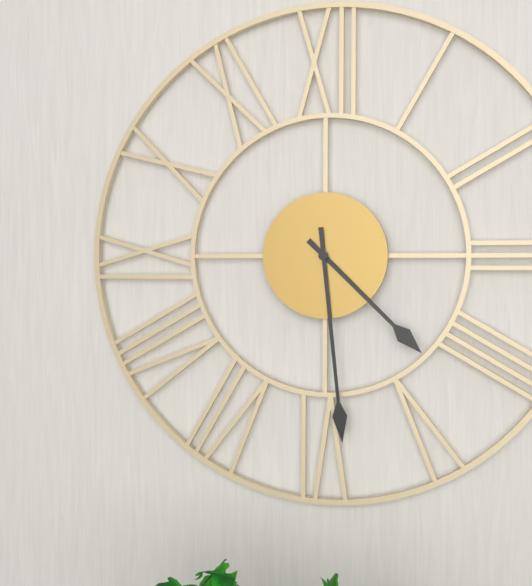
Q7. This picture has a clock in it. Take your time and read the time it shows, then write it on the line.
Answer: 4:29
